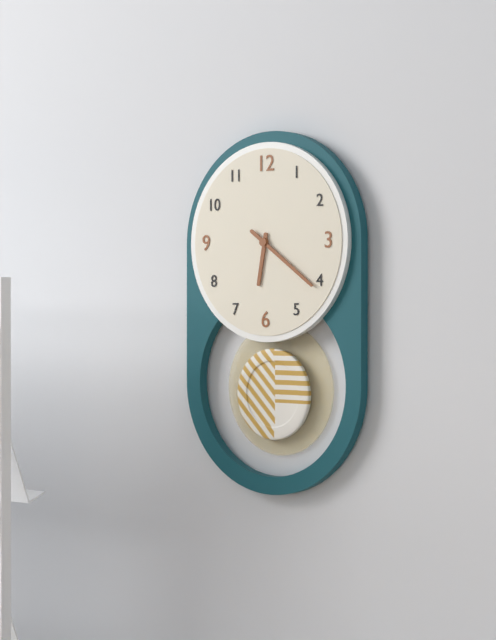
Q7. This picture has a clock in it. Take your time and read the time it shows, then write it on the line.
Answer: 6:21
